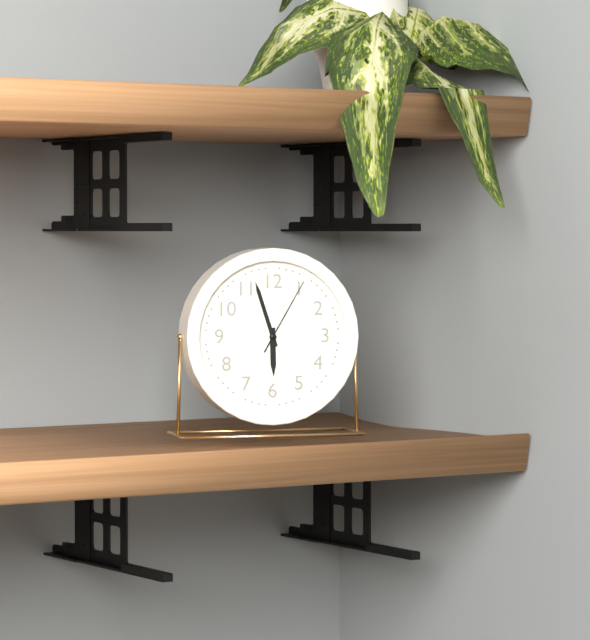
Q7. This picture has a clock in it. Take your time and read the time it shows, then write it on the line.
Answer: 5:57:05
